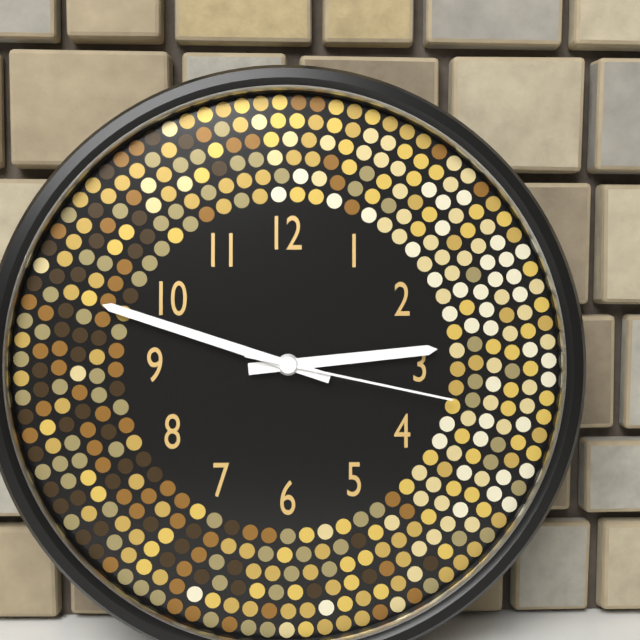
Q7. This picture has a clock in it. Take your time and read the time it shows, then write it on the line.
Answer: 2:48:17
